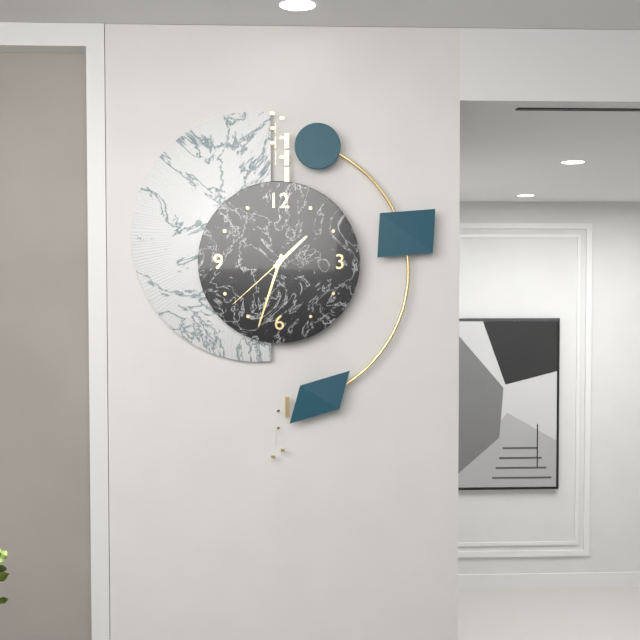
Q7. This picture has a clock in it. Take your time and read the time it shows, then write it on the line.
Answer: 1:33:38
